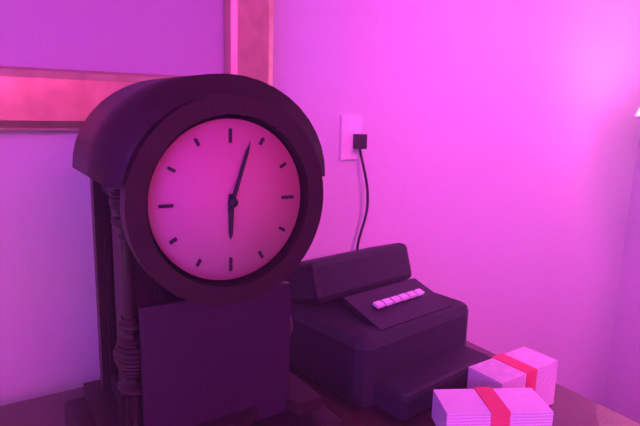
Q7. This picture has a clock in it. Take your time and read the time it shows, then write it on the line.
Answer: 6:03
